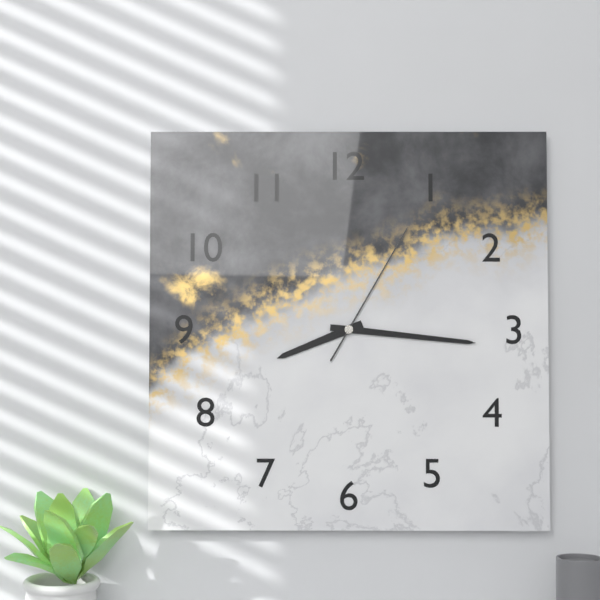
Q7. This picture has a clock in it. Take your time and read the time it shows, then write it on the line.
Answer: 8:16:05
